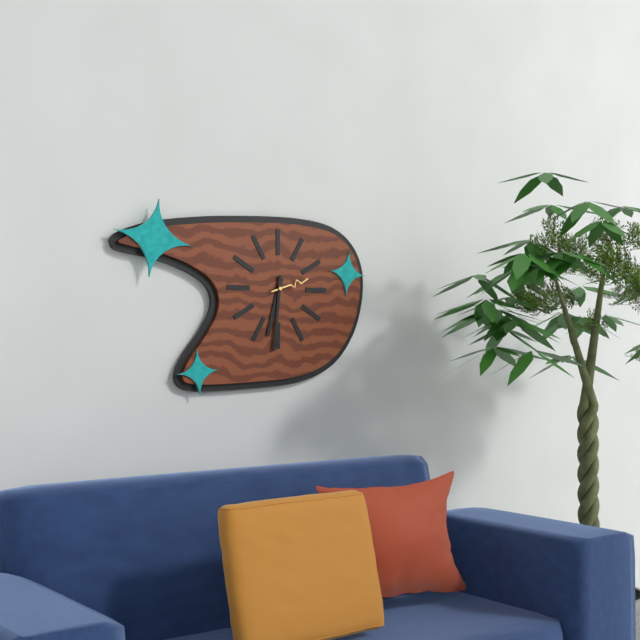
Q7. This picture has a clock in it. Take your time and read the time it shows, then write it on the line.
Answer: 6:31
